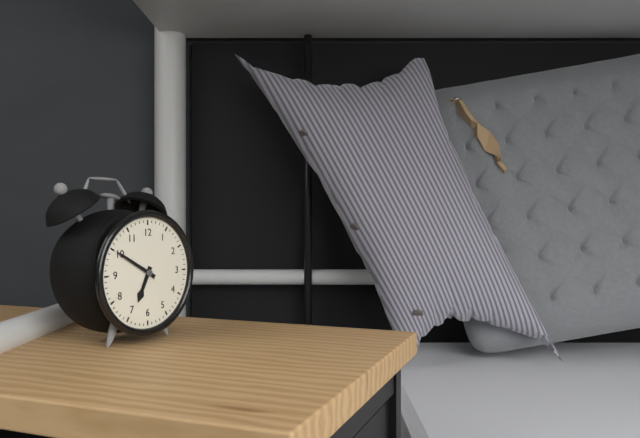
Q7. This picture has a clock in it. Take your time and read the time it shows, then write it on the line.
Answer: 6:50
